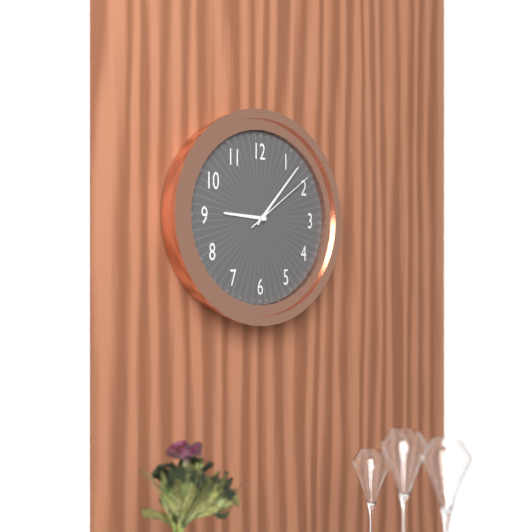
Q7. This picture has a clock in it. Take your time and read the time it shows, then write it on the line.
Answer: 9:07:09
